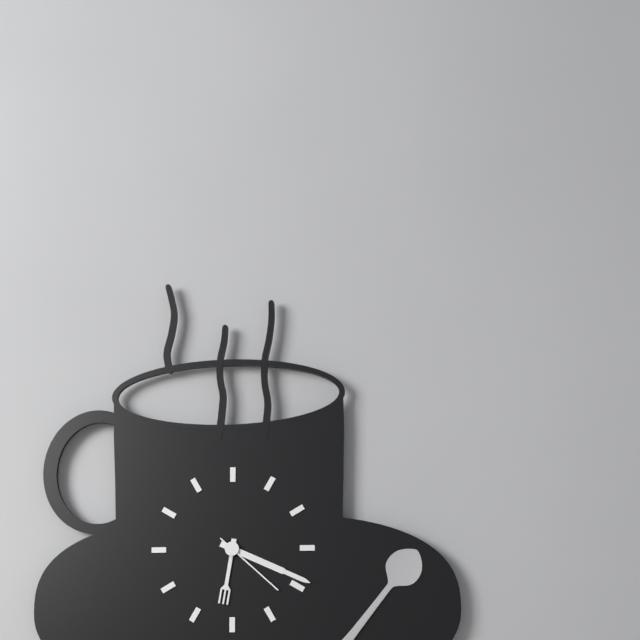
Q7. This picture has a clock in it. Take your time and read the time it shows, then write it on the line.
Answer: 6:19:22
